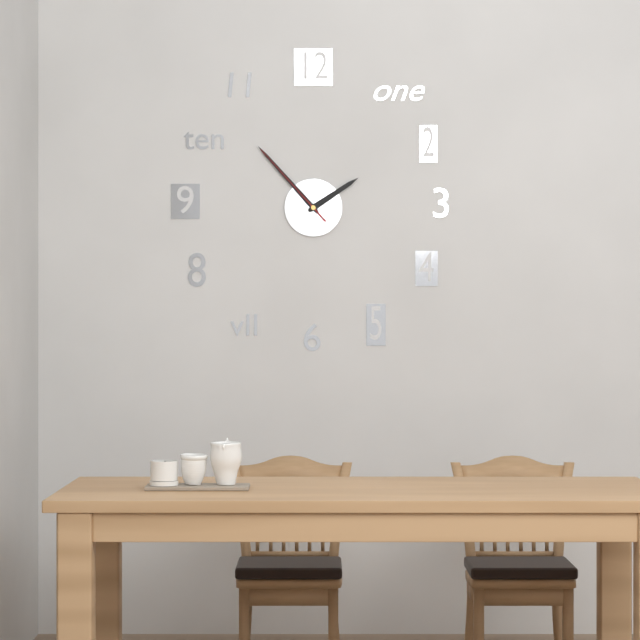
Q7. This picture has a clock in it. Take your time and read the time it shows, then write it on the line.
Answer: 1:53:53
